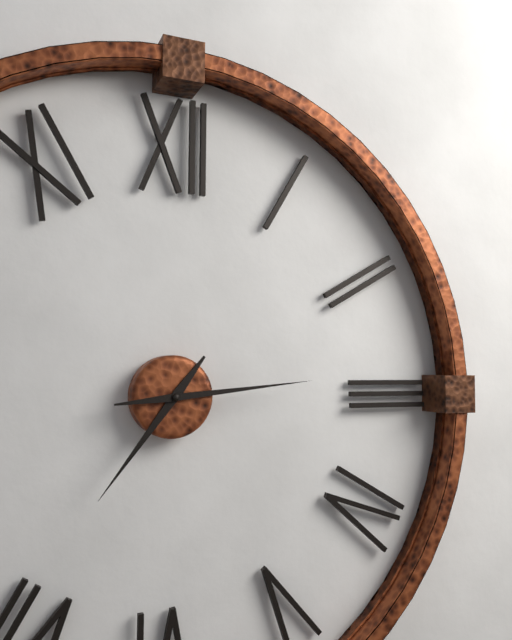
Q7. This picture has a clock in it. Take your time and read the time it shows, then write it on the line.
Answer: 7:14
